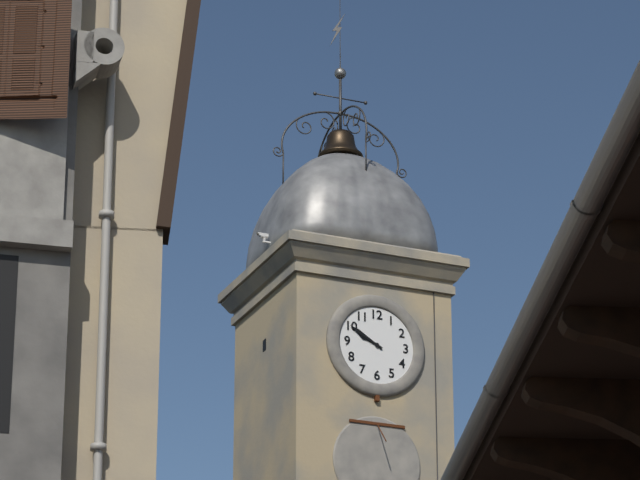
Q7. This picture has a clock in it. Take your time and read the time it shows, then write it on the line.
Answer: 9:50
